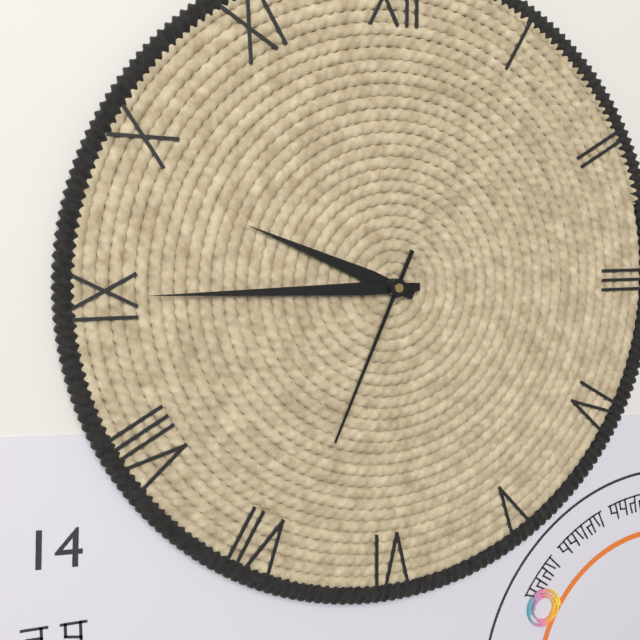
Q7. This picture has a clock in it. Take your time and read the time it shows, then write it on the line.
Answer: 9:45:34
